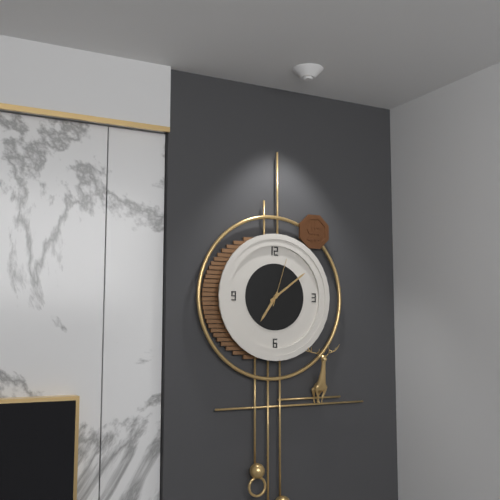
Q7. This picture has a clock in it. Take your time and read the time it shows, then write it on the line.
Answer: 7:09
